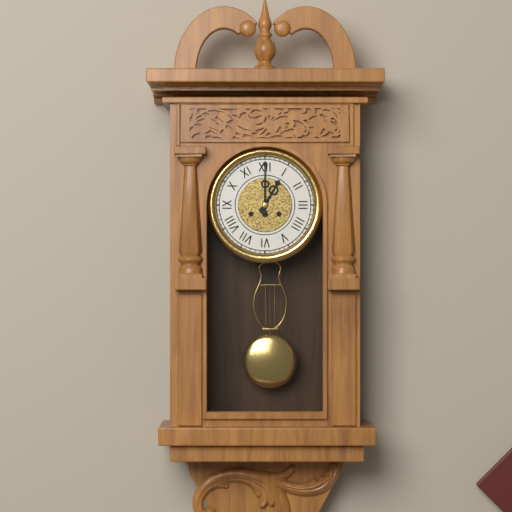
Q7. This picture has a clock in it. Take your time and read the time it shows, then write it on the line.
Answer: 1:00
